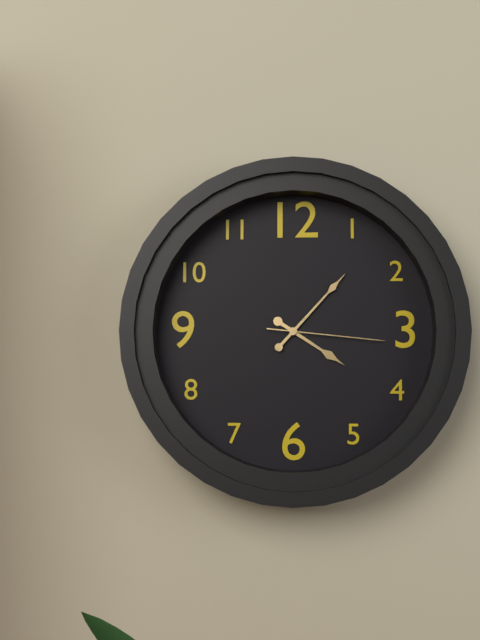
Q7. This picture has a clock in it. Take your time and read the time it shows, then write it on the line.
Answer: 4:07:16
